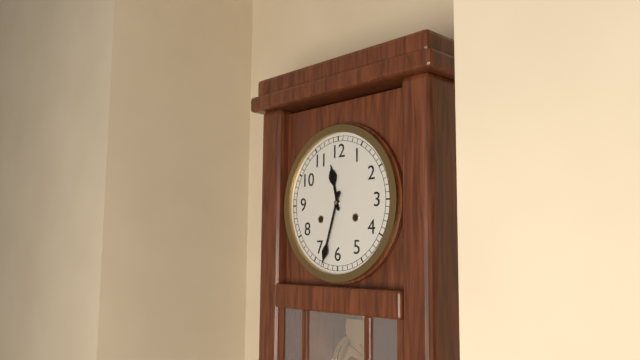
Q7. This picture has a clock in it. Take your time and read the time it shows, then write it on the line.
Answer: 11:33
